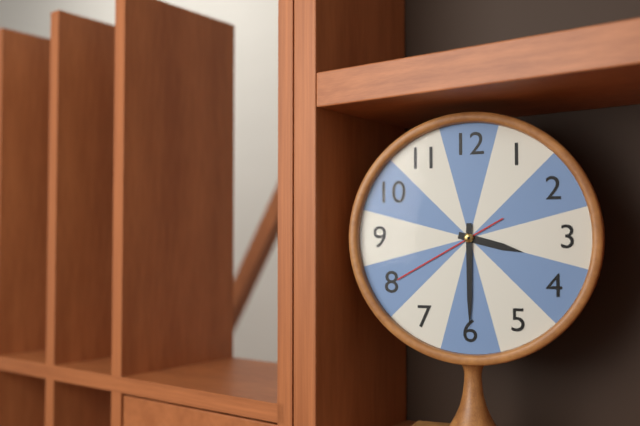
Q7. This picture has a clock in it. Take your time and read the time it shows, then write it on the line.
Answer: 3:30:40
